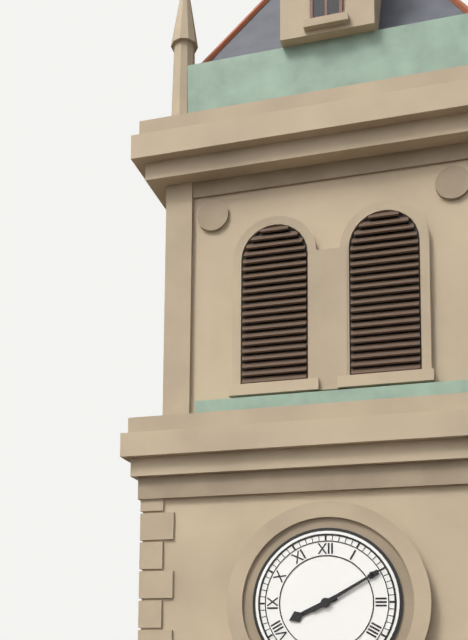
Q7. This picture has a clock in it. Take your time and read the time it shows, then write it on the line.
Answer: 8:10
